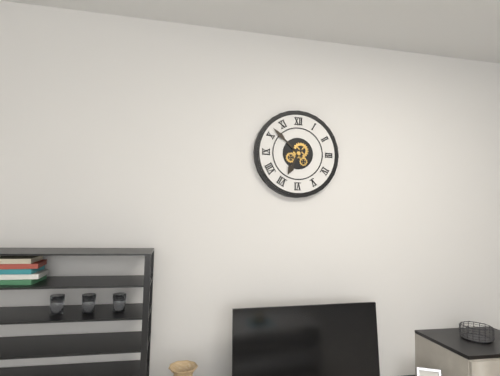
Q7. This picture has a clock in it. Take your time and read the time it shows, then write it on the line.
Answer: 6:52
